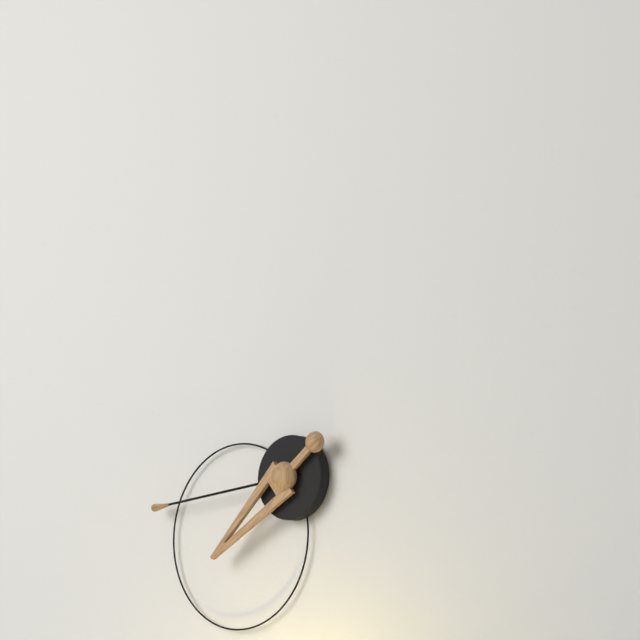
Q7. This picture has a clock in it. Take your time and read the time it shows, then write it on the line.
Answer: 7:44
